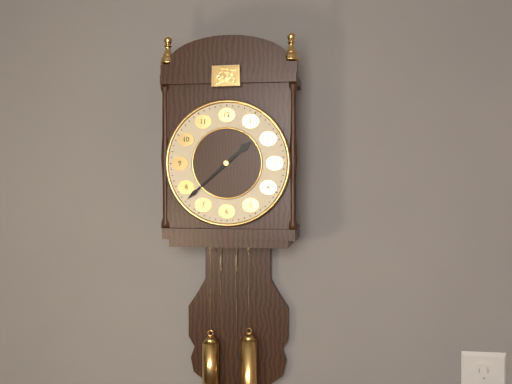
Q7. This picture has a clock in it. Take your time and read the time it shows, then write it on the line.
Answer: 1:38
